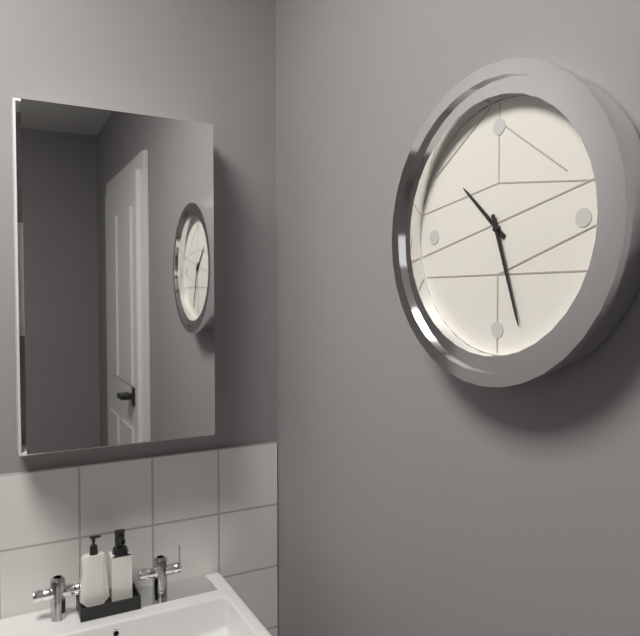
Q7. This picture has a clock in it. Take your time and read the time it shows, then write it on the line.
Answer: 10:27
